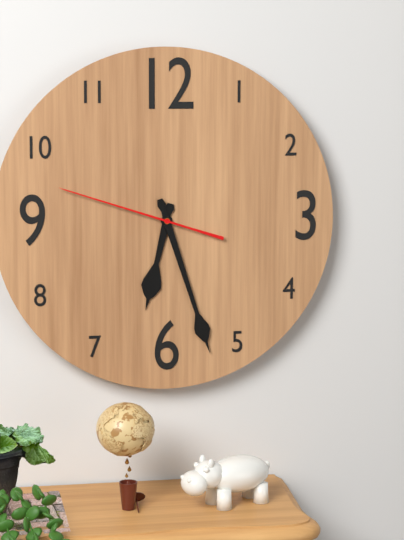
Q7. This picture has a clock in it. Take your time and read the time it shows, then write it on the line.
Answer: 6:27:48
